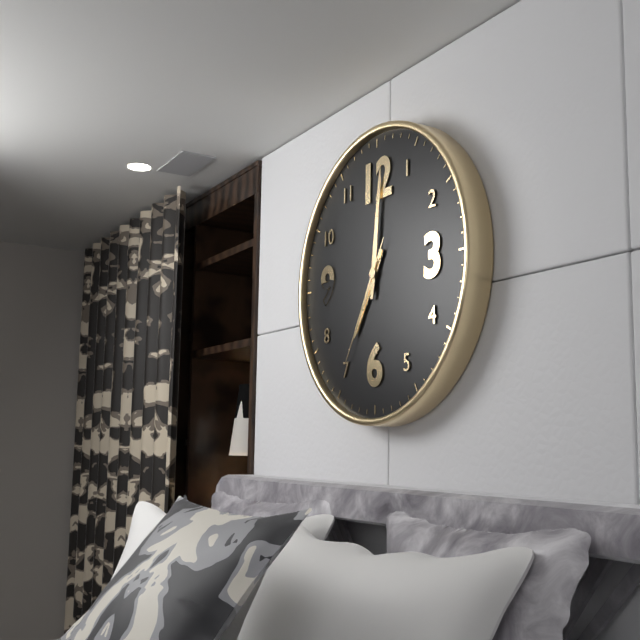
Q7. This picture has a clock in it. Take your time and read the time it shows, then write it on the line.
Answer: 7:01:35
